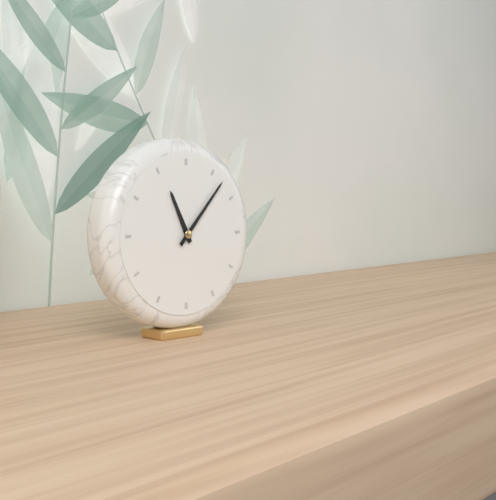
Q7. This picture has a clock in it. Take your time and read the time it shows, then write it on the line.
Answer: 11:07
